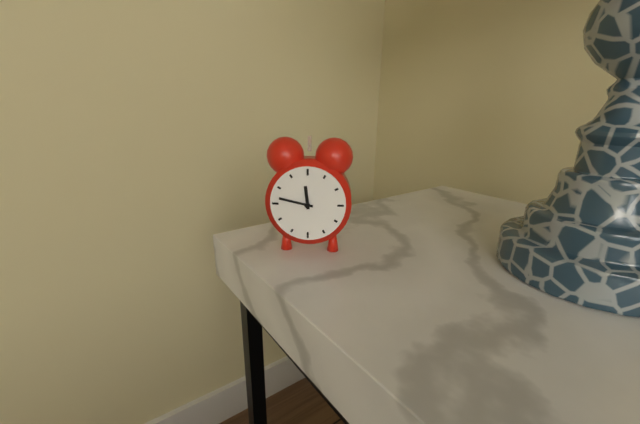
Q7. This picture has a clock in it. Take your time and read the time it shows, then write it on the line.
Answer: 11:47
